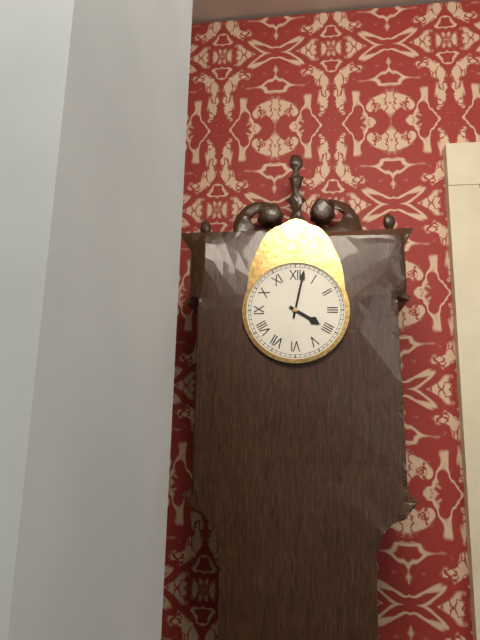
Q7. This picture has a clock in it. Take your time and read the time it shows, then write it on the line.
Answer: 4:02
